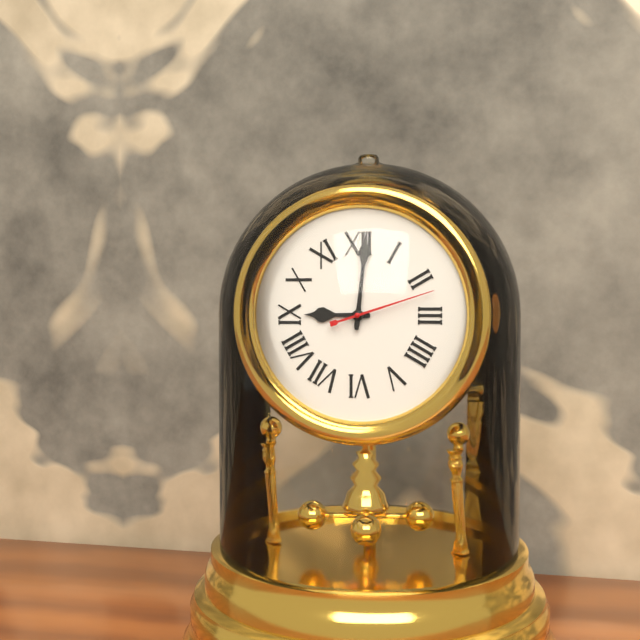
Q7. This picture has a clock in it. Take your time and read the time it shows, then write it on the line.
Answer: 9:01:12
